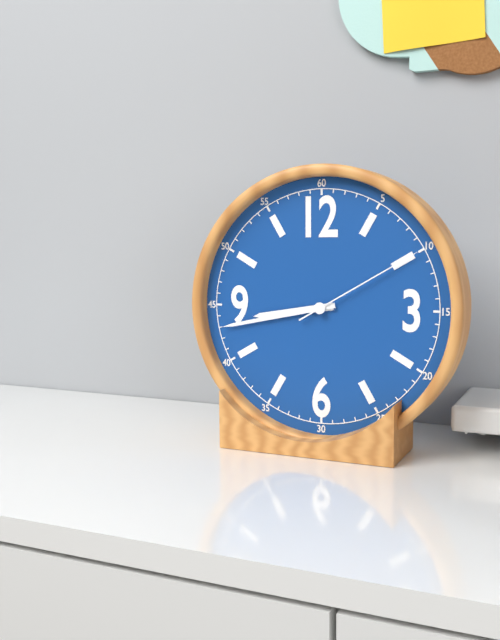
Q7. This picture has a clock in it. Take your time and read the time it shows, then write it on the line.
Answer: 8:43:10
